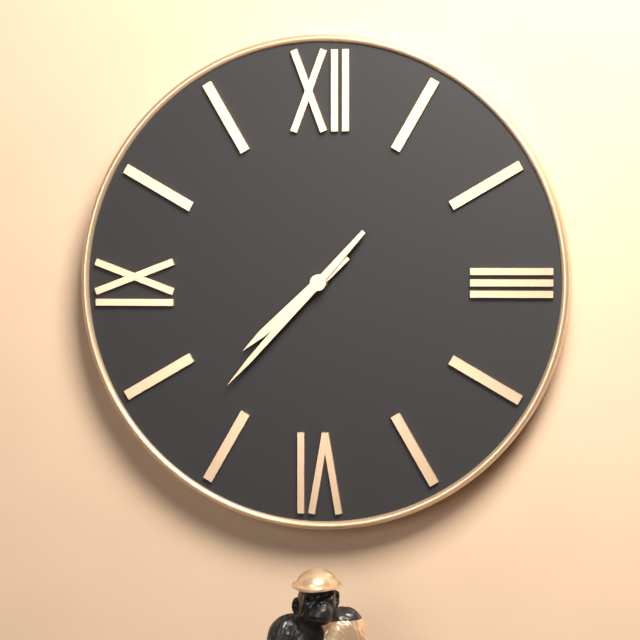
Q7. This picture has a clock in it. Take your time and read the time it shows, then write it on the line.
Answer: 7:37
